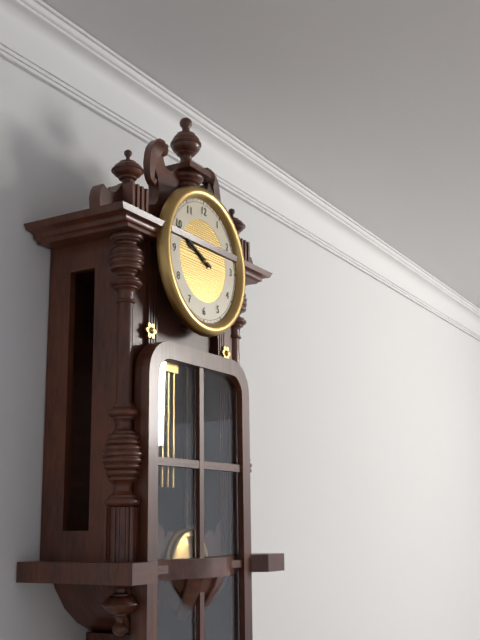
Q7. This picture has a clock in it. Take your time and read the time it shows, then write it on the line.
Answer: 9:49
